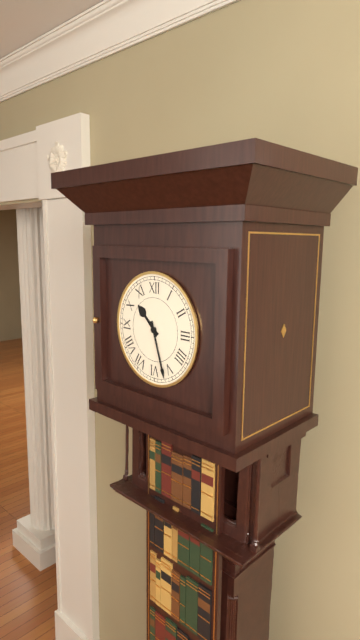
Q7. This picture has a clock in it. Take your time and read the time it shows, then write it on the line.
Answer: 10:27
